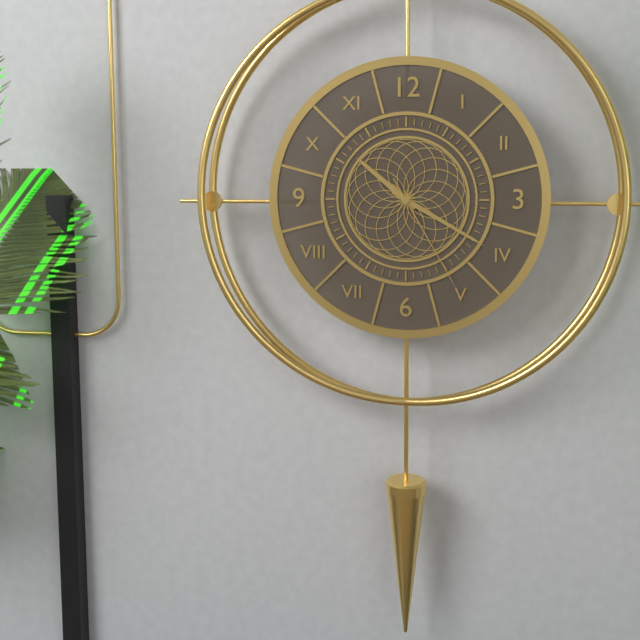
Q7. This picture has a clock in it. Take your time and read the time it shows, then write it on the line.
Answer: 10:20:25
